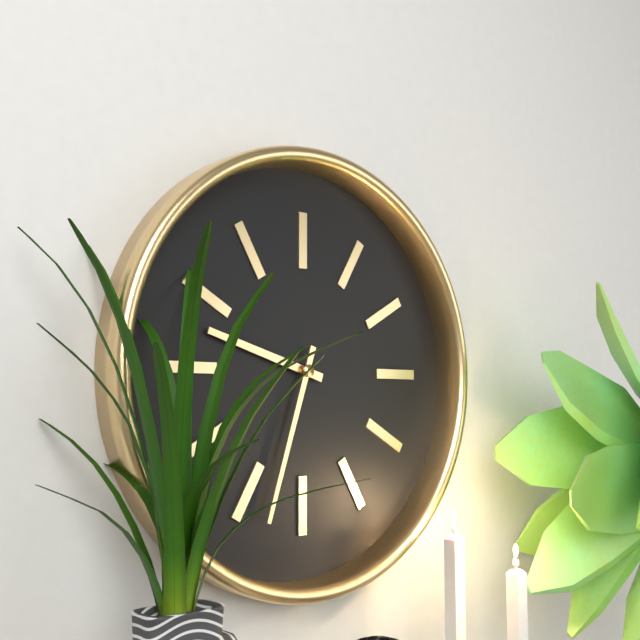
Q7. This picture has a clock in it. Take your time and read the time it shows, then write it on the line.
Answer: 9:33
